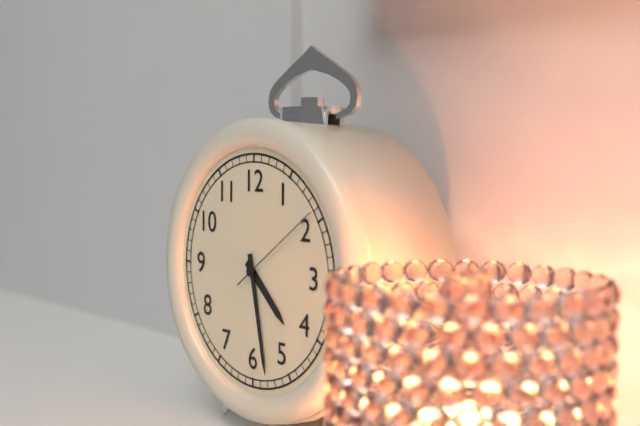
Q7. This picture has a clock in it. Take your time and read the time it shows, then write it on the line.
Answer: 4:28:09
